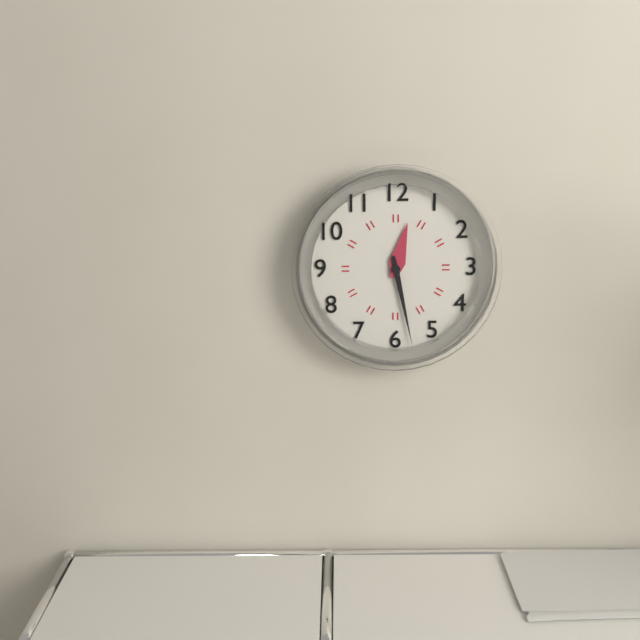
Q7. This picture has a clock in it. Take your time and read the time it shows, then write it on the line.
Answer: 12:28
